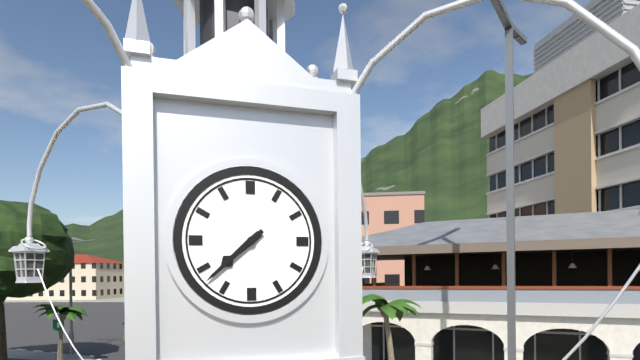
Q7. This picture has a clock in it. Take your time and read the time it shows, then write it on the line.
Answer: 7:38
